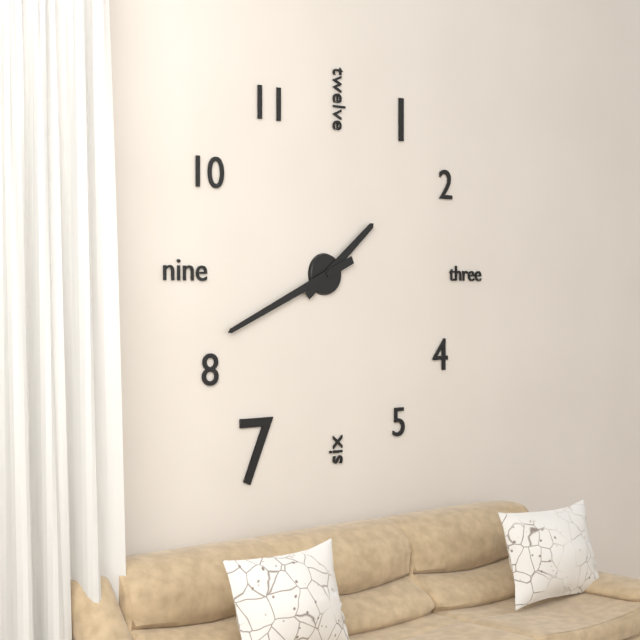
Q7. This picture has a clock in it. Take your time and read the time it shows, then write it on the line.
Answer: 1:41
